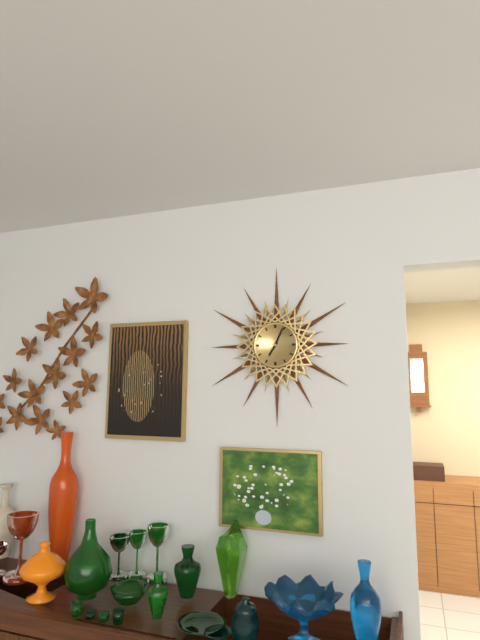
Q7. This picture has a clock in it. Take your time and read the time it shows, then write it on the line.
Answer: 7:04
